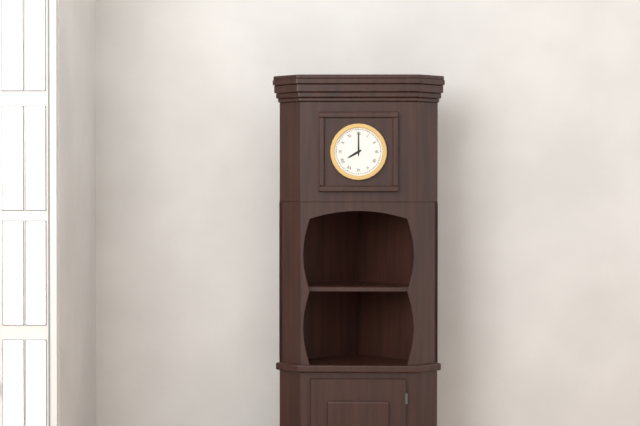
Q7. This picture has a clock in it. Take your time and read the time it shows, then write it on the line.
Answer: 8:00
